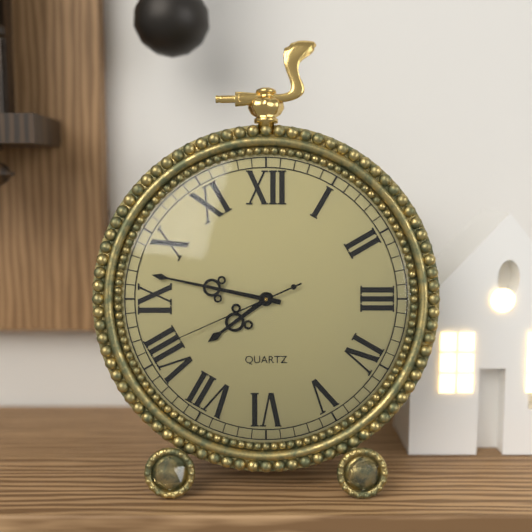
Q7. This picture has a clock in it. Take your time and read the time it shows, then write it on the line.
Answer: 7:47:41
